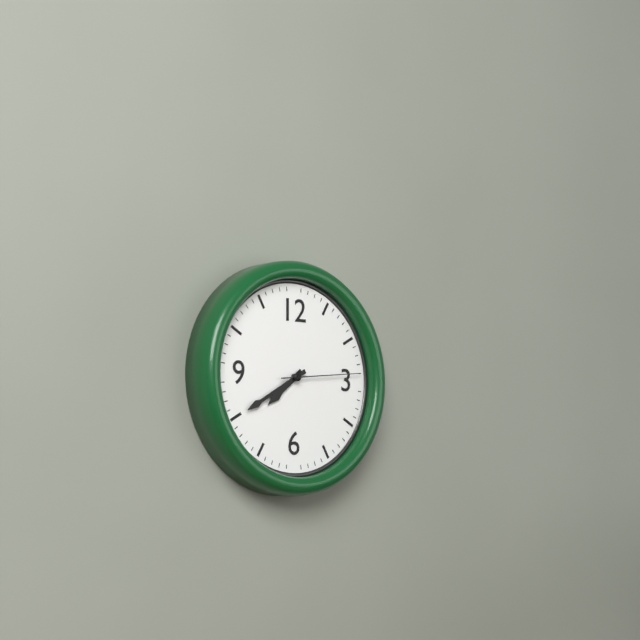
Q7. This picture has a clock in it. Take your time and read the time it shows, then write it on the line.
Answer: 7:40:14
